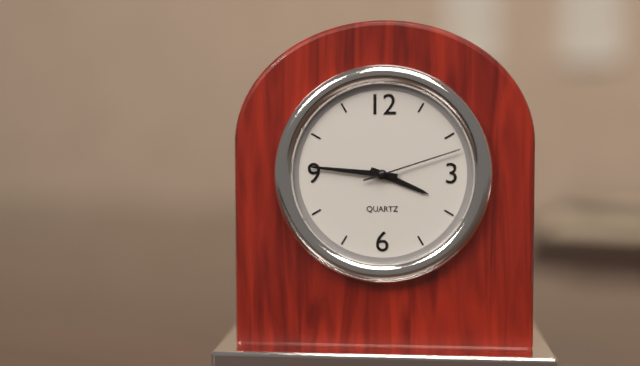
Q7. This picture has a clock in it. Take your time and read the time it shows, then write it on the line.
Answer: 3:46:12
